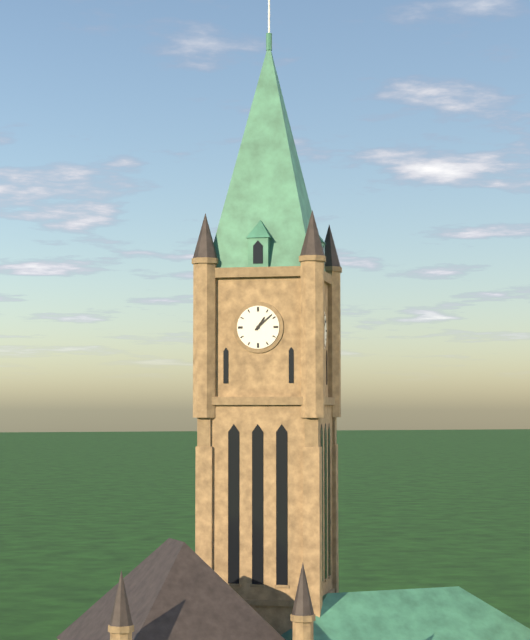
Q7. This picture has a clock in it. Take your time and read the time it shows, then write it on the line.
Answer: 1:08
